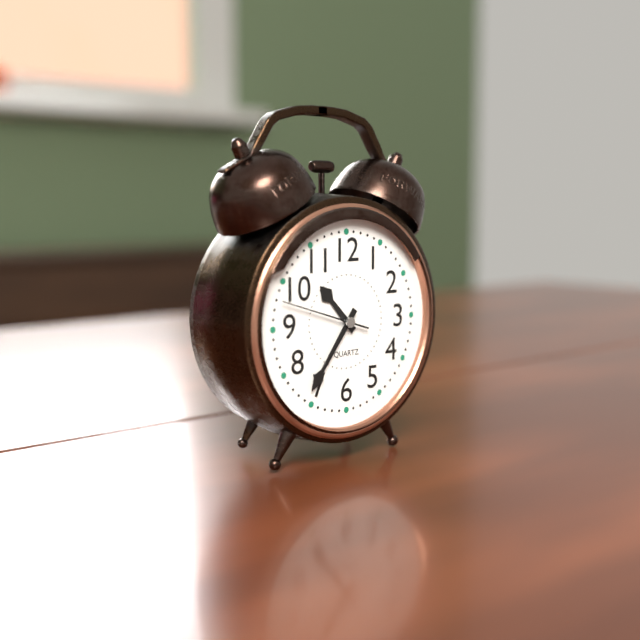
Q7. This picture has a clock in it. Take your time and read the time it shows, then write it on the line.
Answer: 10:36:48
